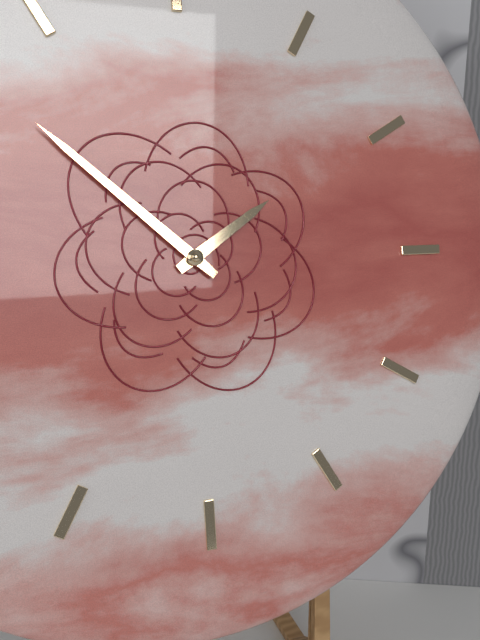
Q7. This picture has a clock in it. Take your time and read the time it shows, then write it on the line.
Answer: 1:52
